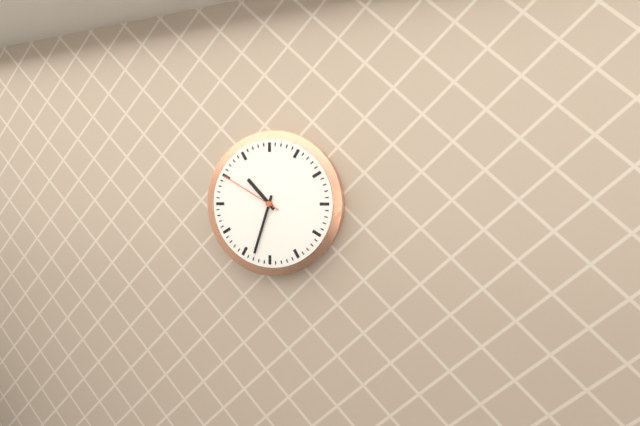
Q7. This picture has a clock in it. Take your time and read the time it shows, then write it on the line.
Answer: 10:33:50
